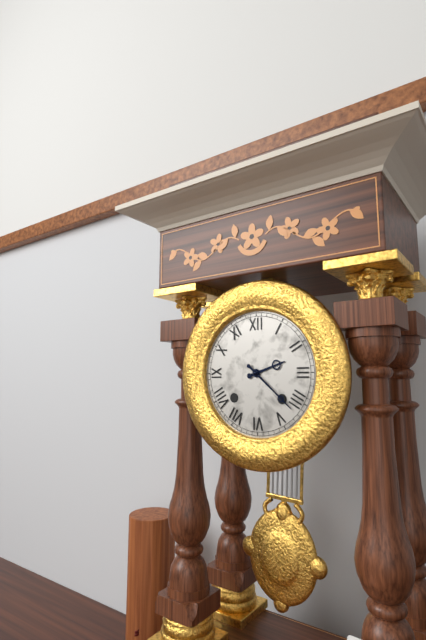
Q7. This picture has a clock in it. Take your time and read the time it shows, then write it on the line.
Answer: 2:22
